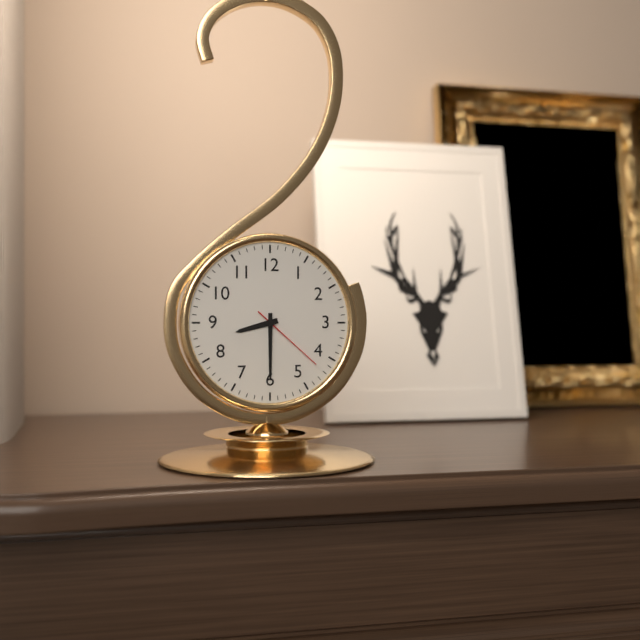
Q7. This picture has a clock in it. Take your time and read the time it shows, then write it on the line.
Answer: 8:30:22
